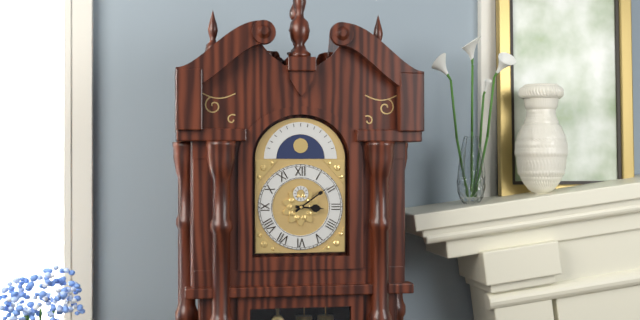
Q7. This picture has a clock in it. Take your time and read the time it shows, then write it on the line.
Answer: 3:09
